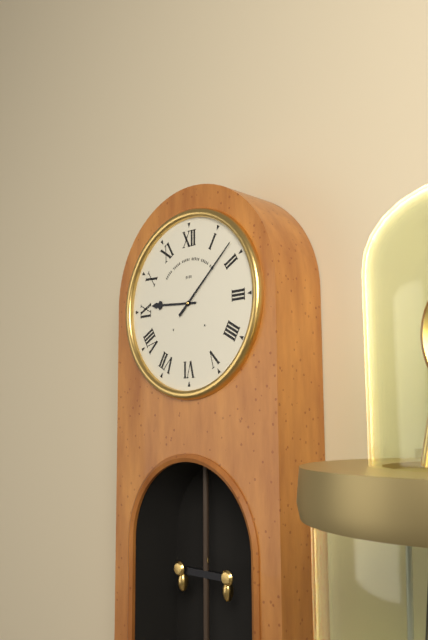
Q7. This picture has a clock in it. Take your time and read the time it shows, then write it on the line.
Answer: 9:08
